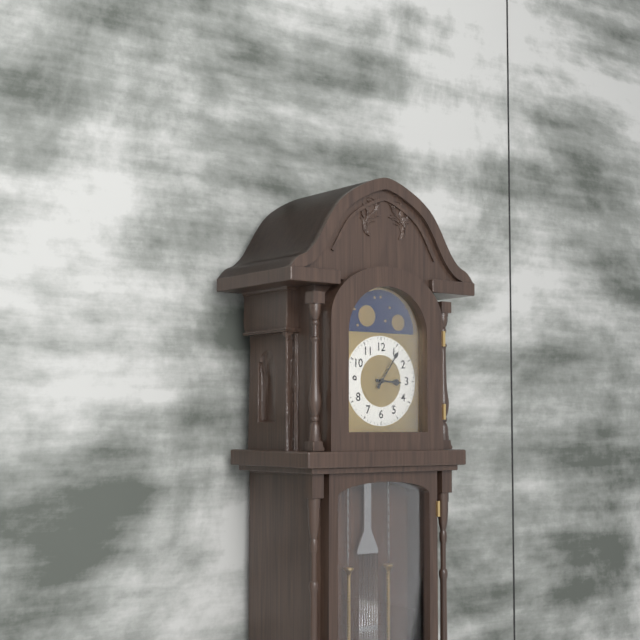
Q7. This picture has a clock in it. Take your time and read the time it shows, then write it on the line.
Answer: 3:06
